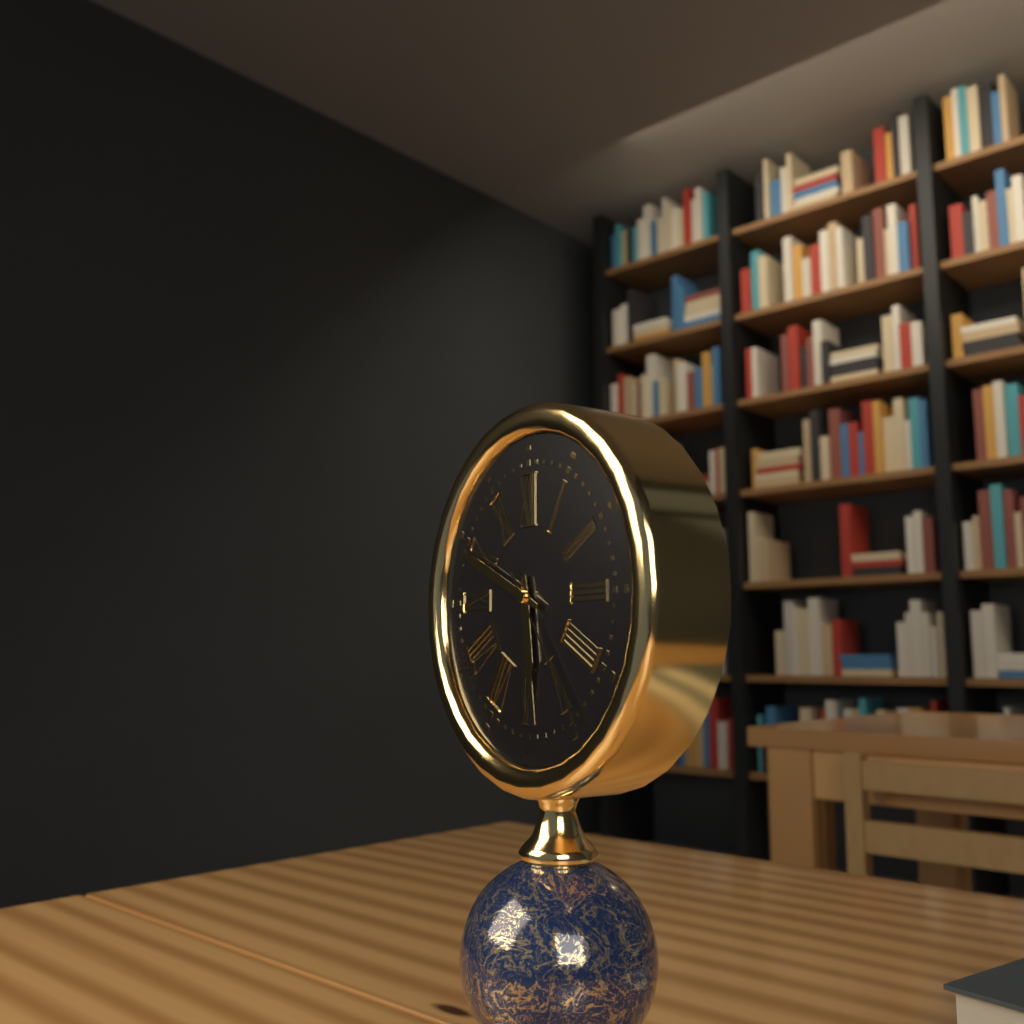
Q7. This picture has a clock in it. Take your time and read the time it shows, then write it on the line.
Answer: 5:49:24
